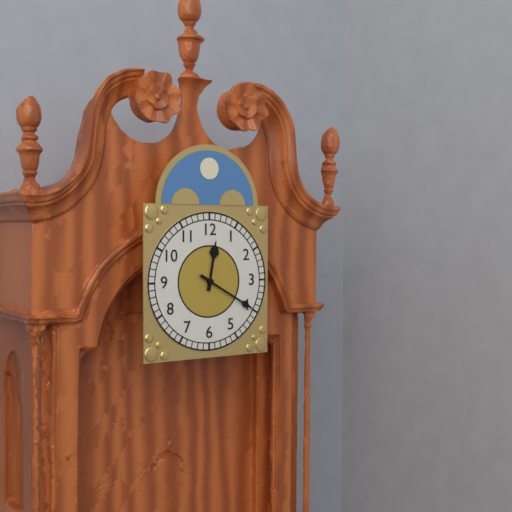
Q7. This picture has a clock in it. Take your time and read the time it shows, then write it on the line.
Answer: 12:20
